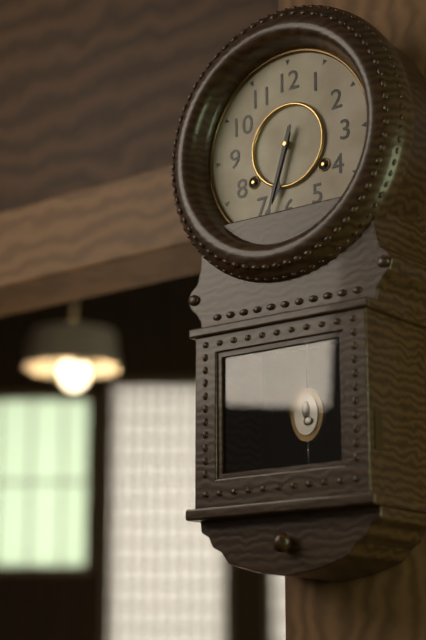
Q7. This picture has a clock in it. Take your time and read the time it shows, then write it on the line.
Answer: 6:33
